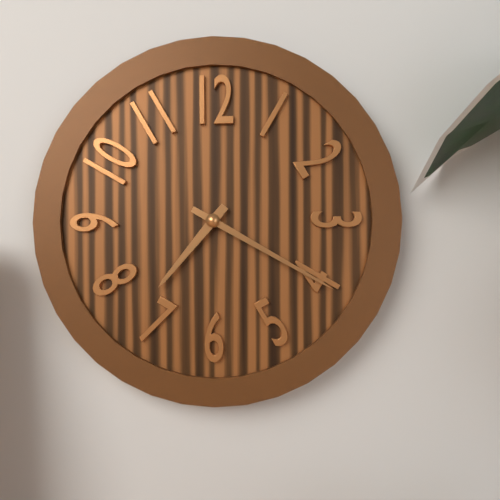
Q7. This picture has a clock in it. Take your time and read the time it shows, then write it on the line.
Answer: 7:20
